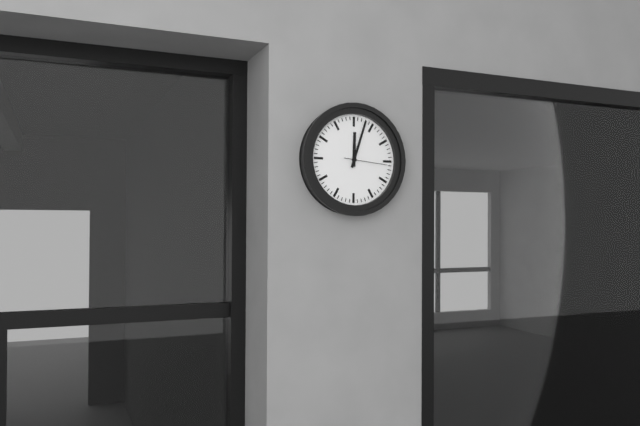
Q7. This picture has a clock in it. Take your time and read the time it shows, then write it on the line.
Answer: 12:03
